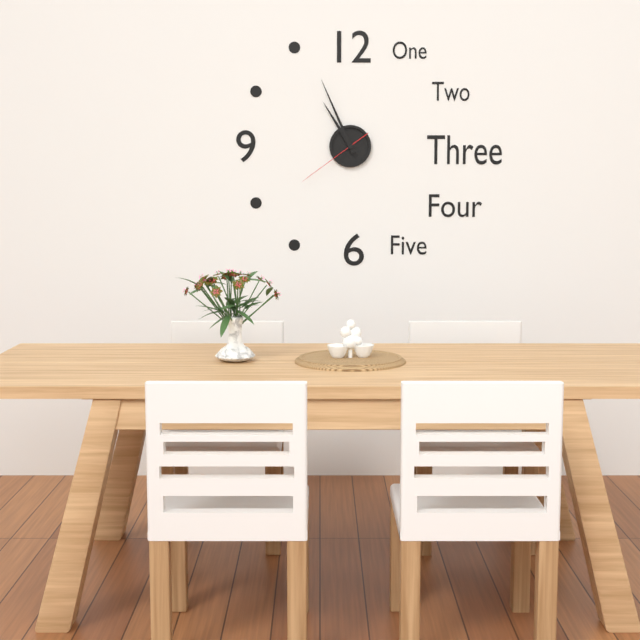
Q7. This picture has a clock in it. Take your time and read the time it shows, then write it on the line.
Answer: 10:56:39
